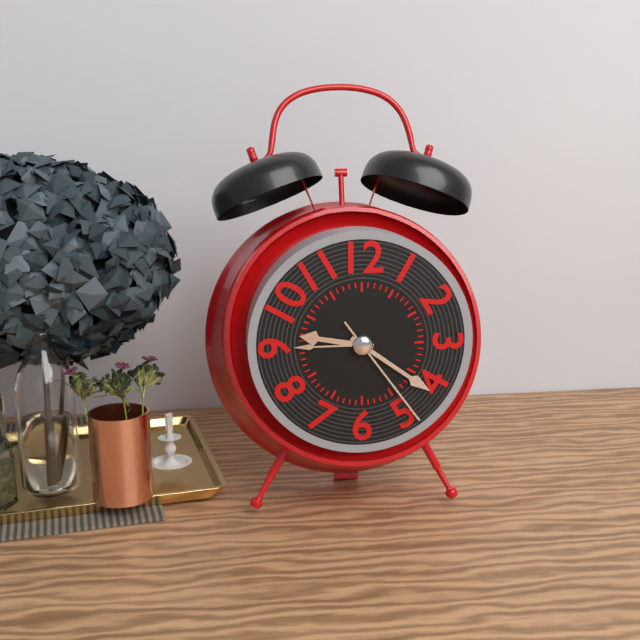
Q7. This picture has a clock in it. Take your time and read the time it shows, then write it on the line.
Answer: 9:21:24
